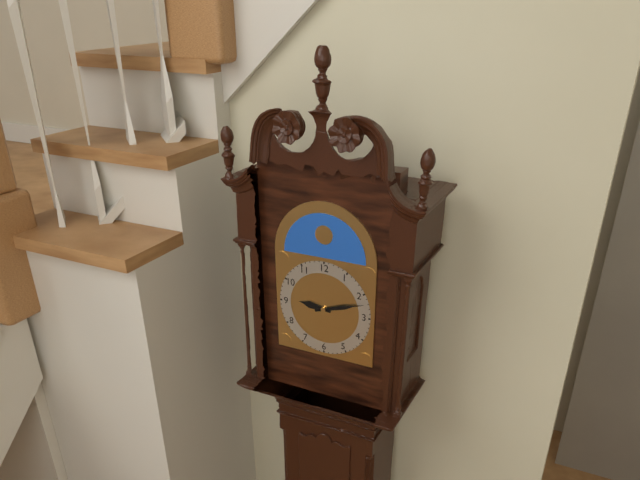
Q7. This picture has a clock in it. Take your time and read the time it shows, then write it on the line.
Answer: 9:12
